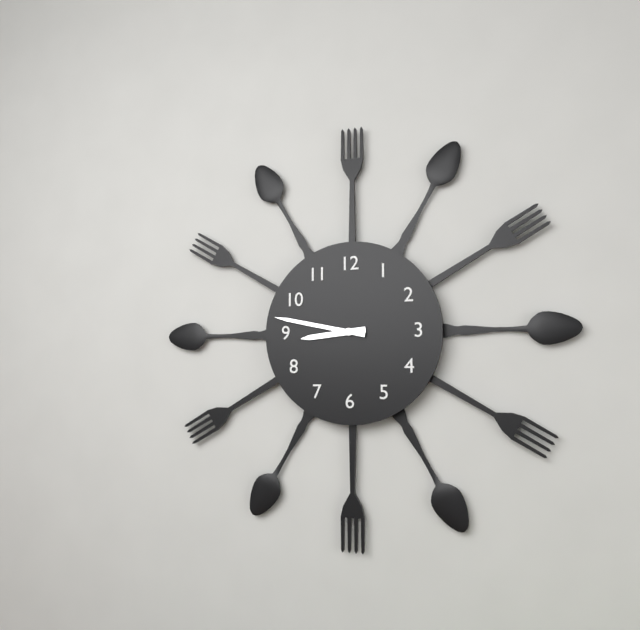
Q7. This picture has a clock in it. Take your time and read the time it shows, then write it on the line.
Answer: 8:47
